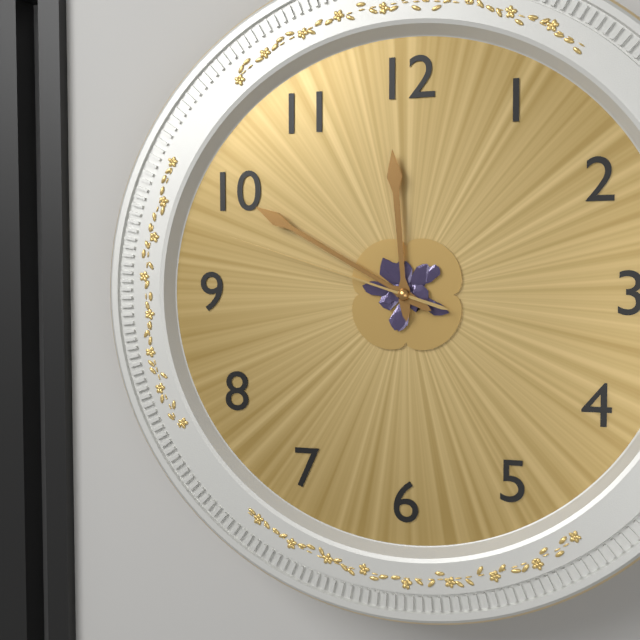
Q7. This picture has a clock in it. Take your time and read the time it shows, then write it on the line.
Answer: 11:50:48
